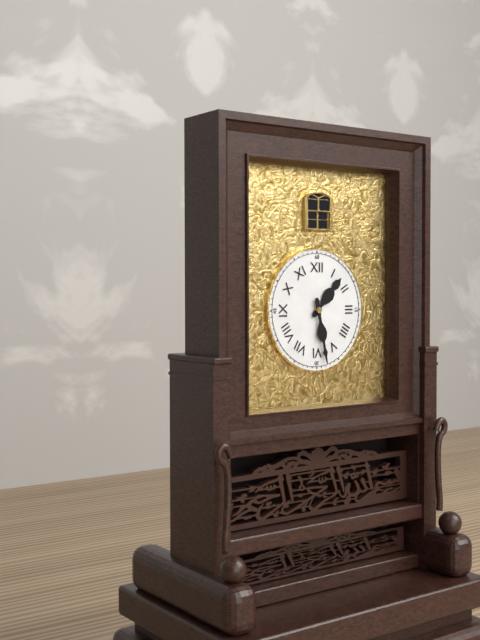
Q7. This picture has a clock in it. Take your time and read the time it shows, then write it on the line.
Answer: 1:28
